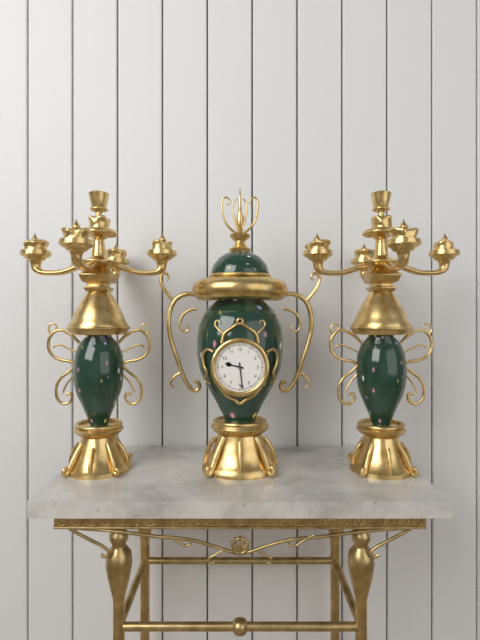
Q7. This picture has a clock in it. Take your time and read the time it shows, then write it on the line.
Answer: 9:29
